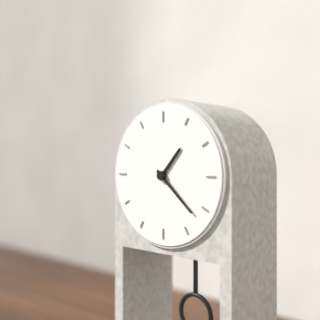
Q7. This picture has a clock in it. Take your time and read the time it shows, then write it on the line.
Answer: 1:22
